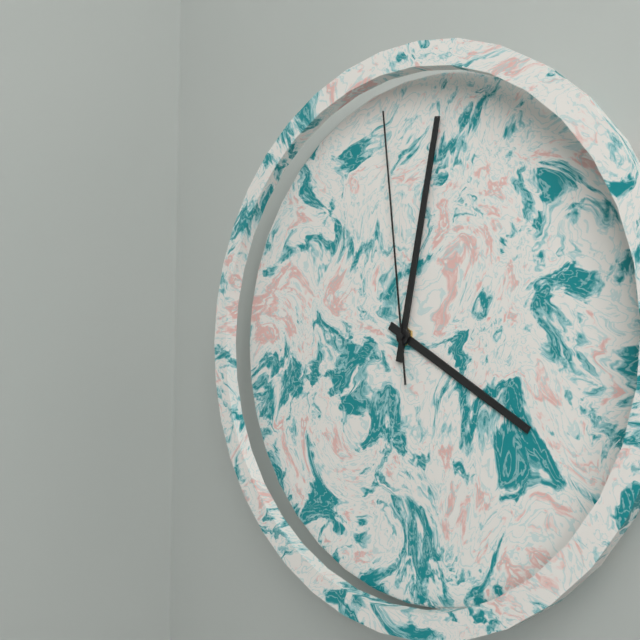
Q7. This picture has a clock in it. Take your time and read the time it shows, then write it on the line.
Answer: 4:02:59
